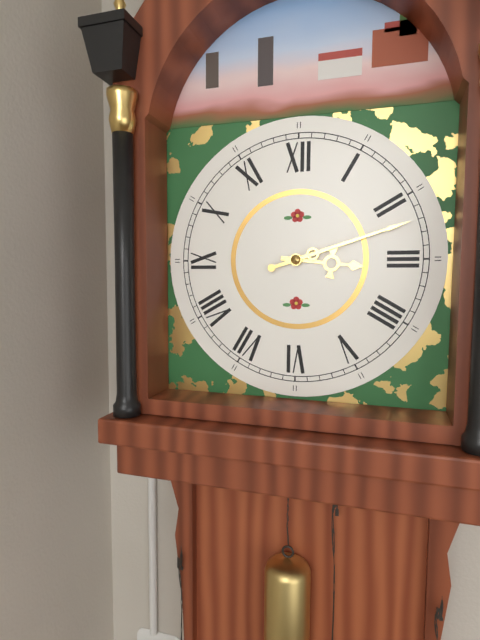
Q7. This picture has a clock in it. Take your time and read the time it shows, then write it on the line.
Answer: 3:12
